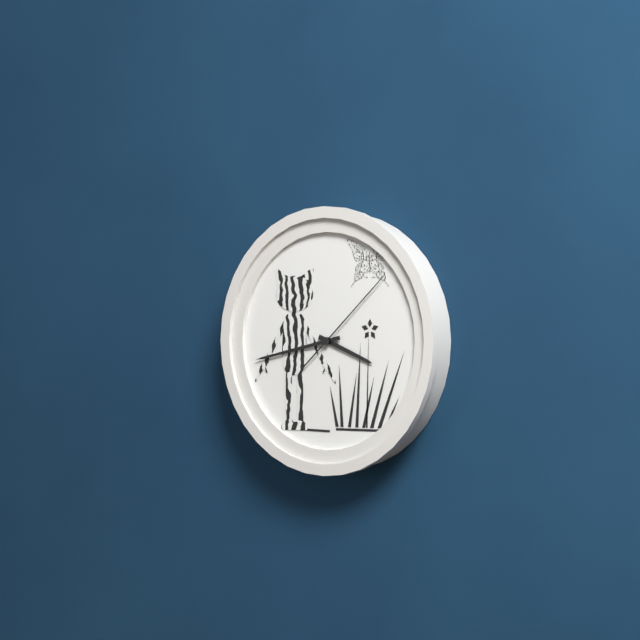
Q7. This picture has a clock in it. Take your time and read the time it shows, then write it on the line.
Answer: 3:43:08
